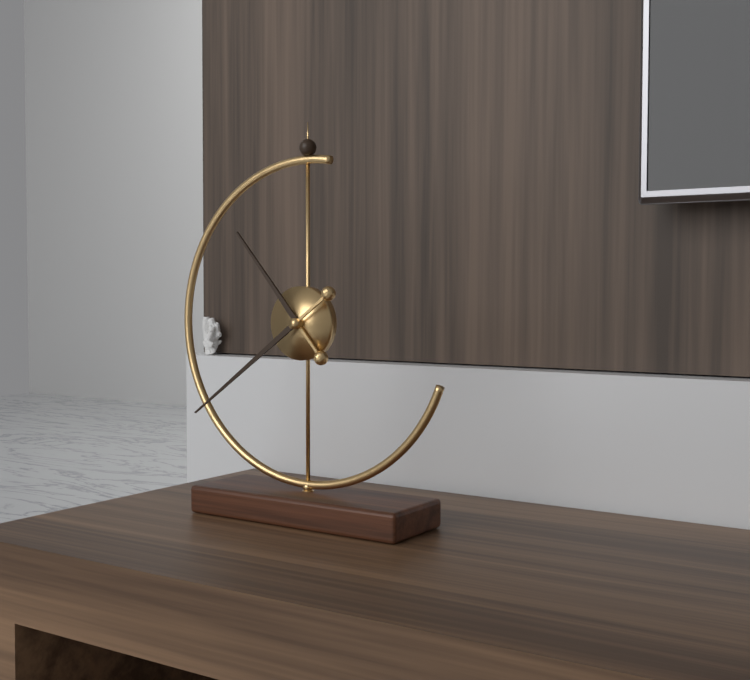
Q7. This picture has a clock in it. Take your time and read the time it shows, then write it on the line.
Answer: 10:39
